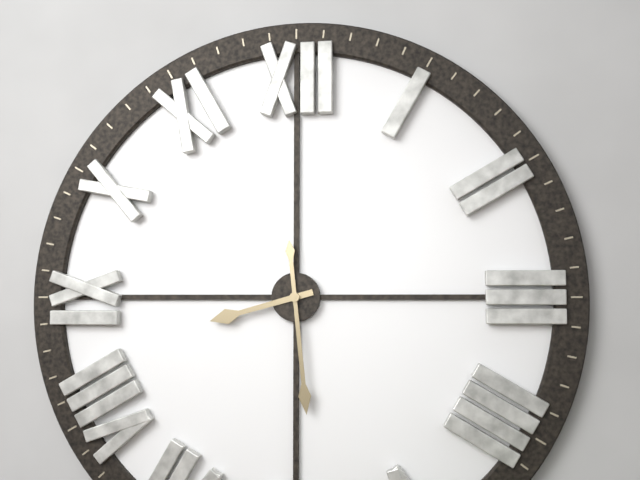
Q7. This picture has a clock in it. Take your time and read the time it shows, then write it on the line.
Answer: 8:29
